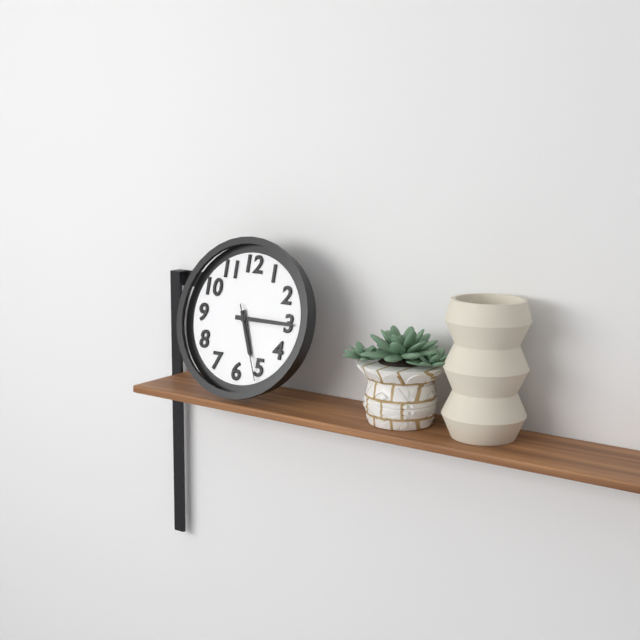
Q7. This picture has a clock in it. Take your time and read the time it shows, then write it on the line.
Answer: 5:15:26
